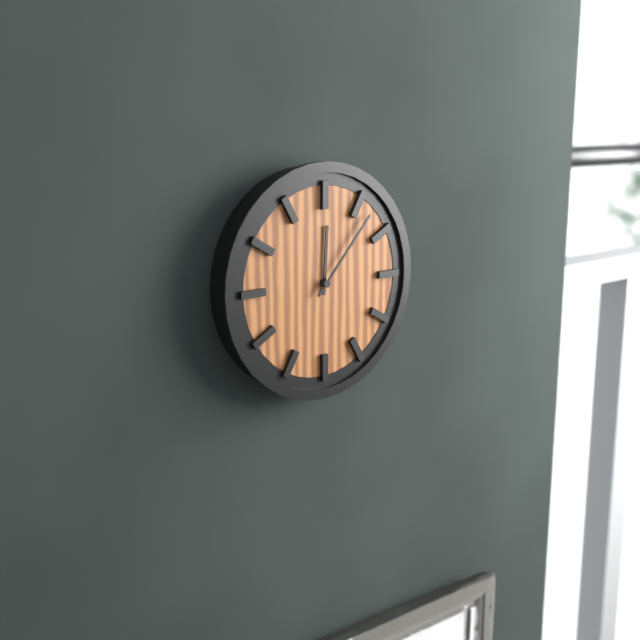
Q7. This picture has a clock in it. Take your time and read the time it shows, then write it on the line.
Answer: 12:07
